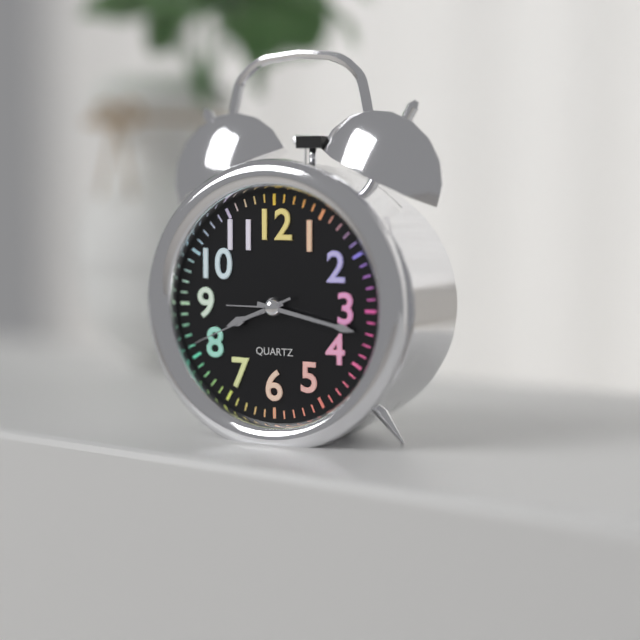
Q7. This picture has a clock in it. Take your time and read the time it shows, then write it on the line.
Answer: 8:17:41
